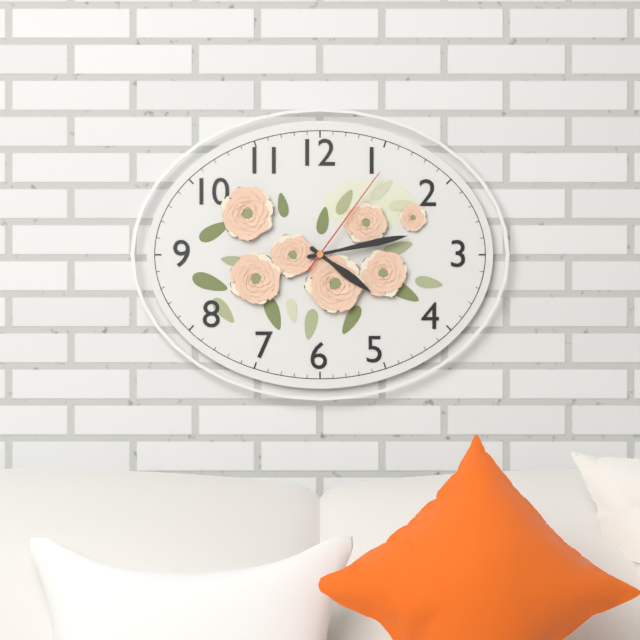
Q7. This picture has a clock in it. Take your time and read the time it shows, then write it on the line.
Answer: 4:13:06
